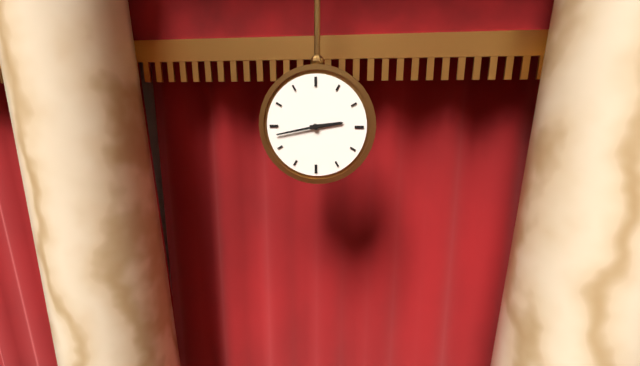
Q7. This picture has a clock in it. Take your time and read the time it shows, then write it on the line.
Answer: 2:43
